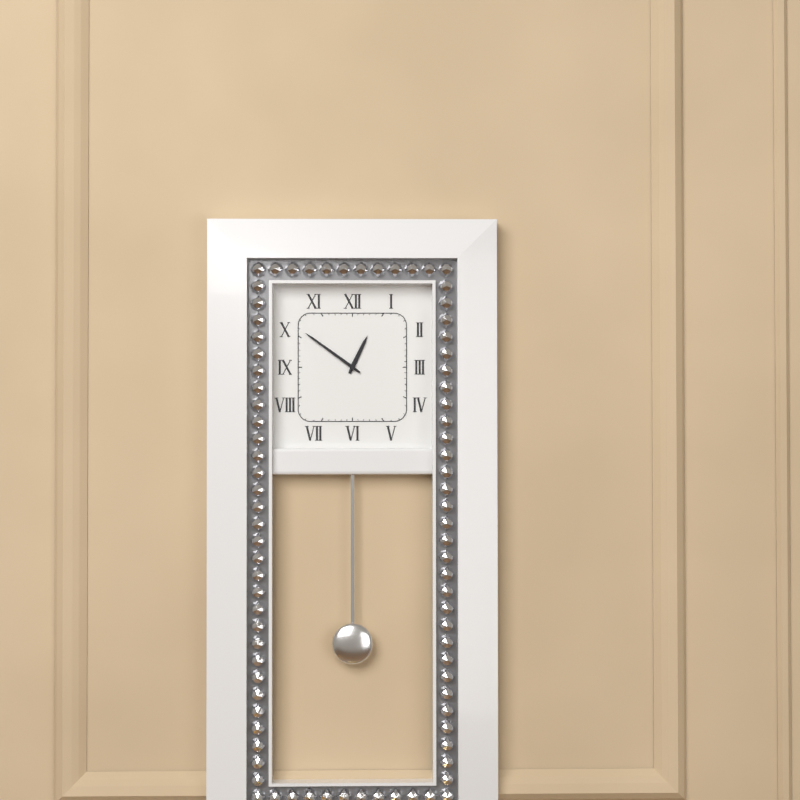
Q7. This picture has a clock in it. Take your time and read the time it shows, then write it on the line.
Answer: 12:51
